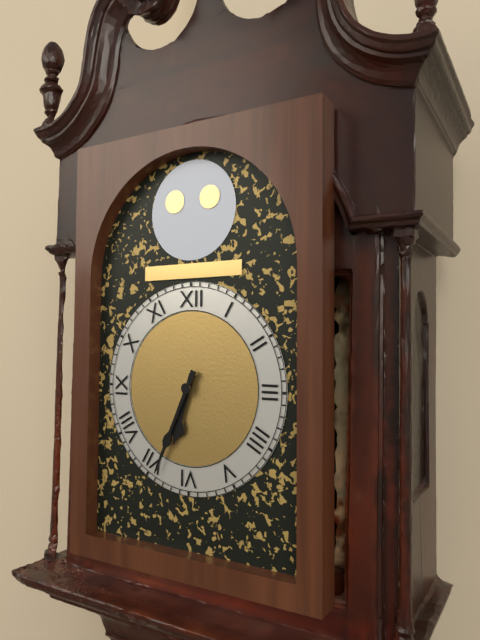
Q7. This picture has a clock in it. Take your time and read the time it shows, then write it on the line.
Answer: 6:34
